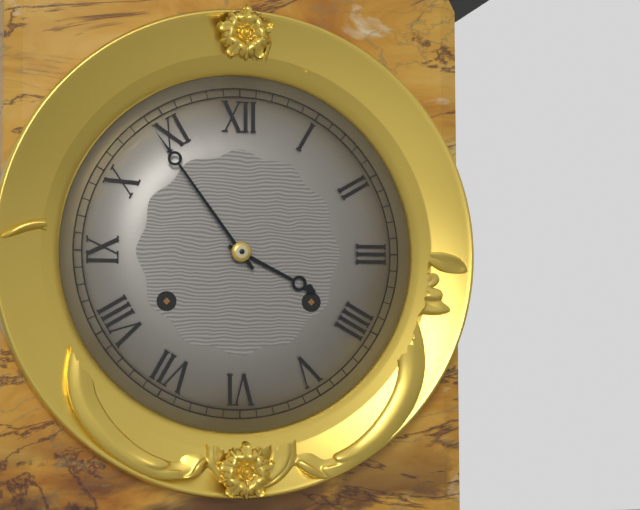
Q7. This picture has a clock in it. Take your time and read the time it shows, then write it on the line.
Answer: 3:54
